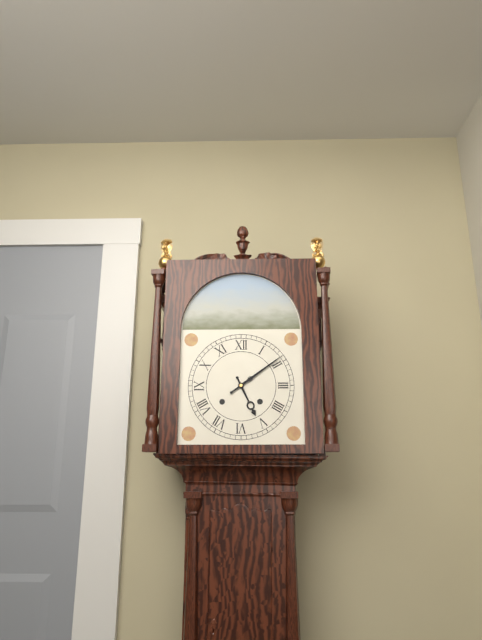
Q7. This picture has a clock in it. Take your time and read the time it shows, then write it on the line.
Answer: 5:09
